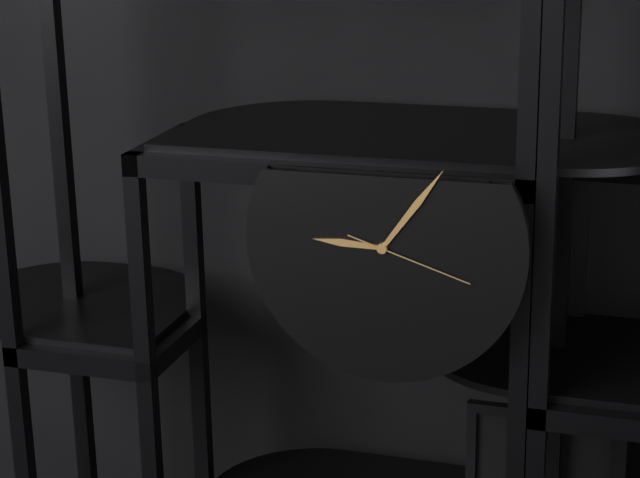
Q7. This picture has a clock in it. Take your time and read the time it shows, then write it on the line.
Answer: 9:06:18
